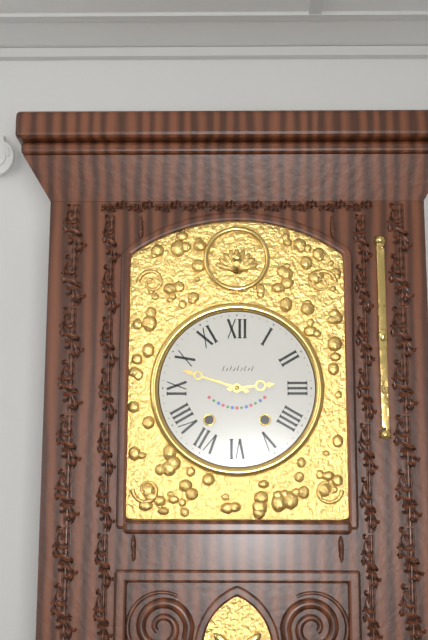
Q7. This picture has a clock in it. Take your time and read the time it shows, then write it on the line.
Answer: 2:48
